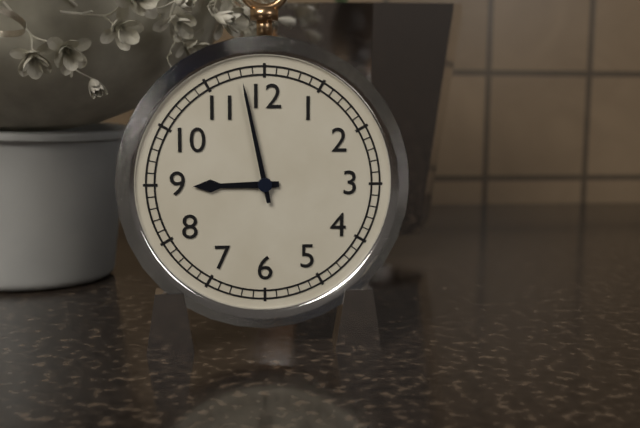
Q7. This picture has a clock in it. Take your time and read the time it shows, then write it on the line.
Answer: 8:58
